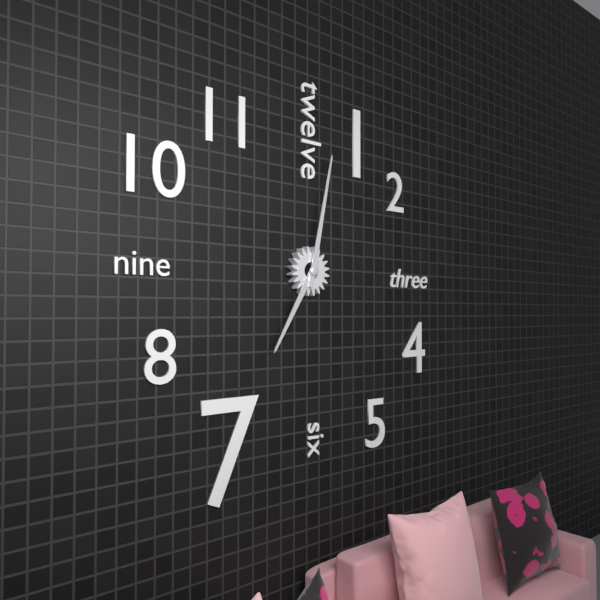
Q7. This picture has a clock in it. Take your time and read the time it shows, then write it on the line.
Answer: 7:02
